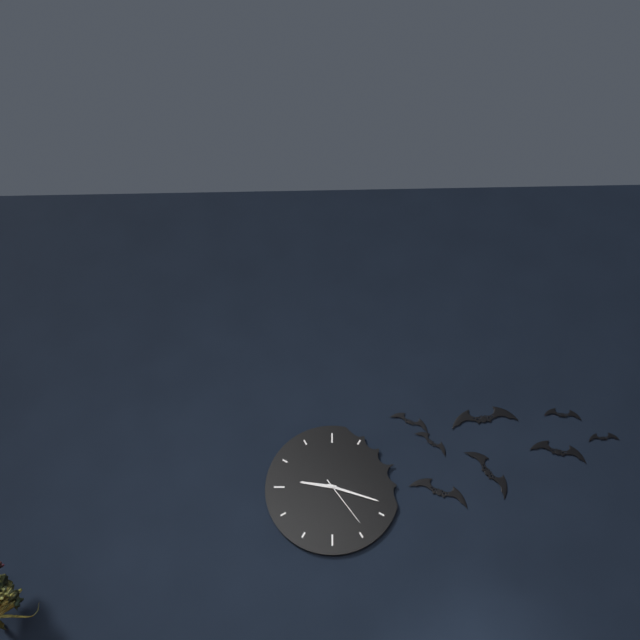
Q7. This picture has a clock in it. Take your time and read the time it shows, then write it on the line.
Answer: 9:18:24
